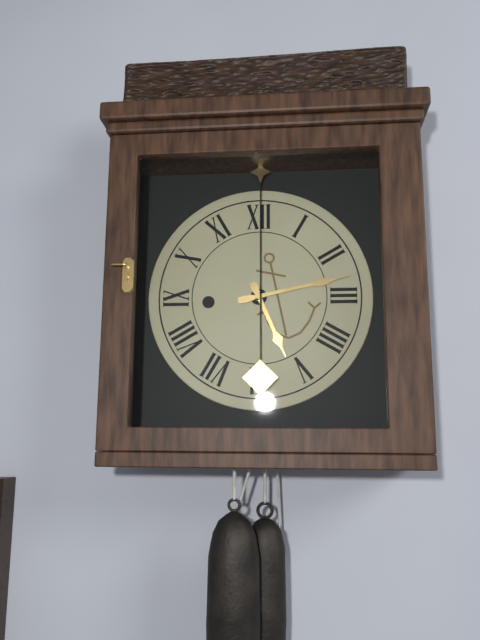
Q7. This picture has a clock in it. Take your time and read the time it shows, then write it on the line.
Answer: 5:13
